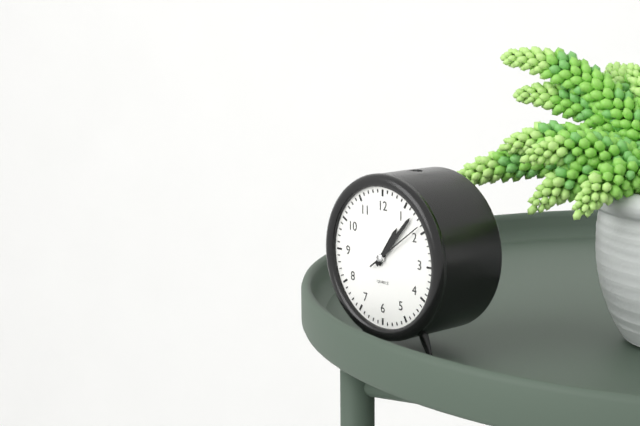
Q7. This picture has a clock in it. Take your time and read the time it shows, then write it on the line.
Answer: 1:07:09
